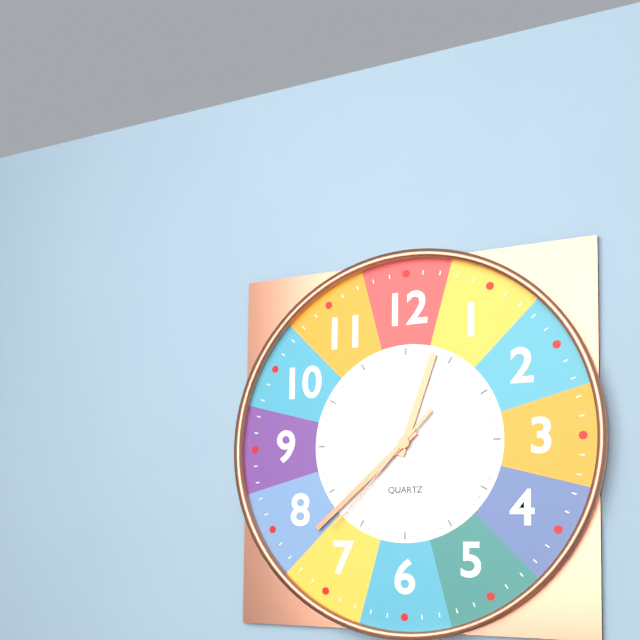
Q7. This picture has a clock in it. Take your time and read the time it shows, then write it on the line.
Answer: 12:38:37
